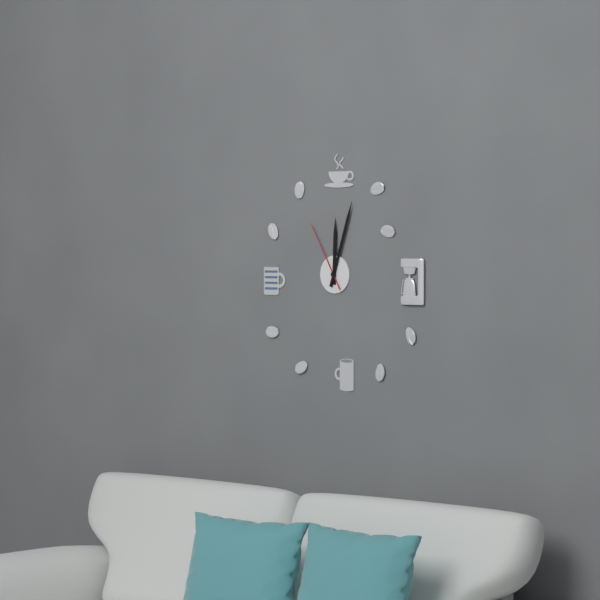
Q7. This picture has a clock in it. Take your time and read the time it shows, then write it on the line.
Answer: 12:03:55
